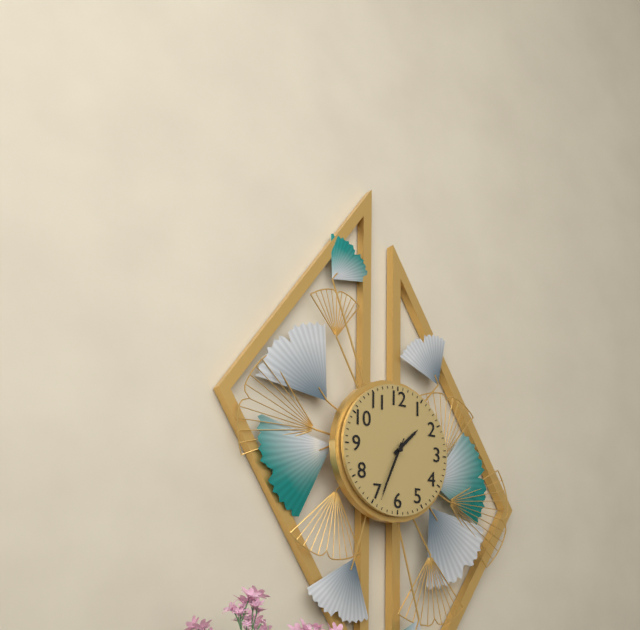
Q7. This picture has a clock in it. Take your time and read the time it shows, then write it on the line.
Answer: 1:34:34
